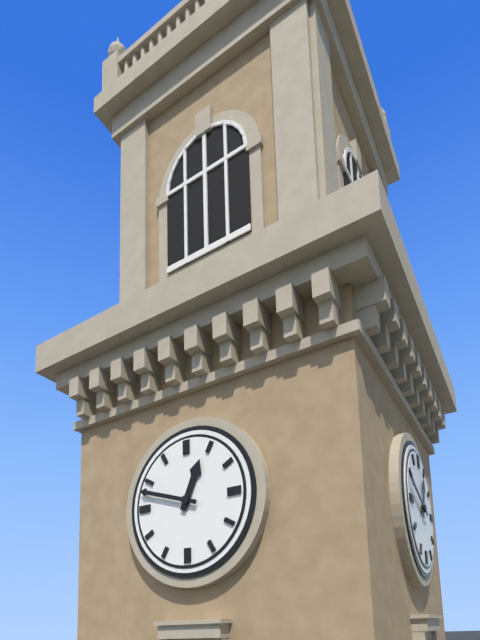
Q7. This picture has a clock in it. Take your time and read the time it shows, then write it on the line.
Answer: 12:48
